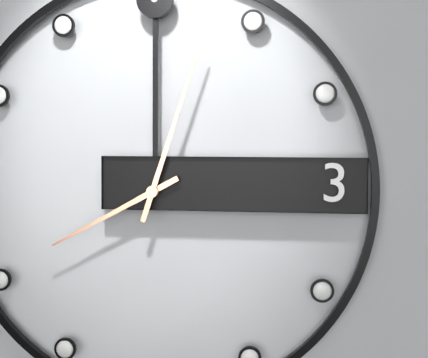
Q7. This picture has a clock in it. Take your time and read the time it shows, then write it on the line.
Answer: 8:03
